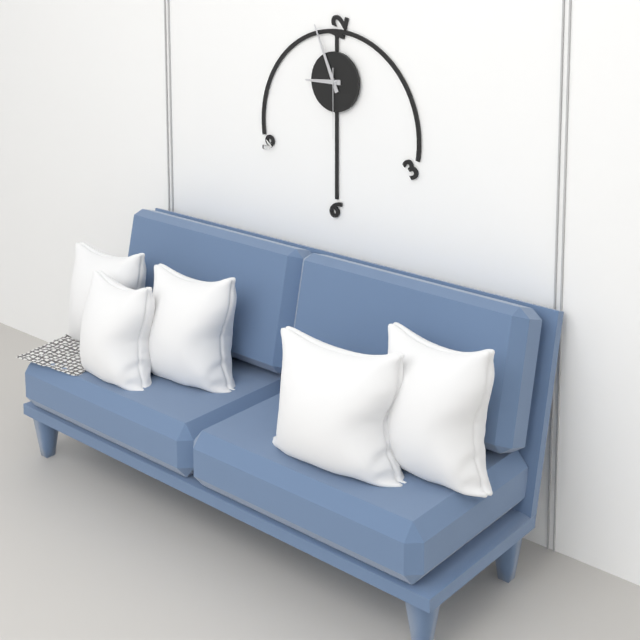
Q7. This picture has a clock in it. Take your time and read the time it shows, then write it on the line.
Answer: 8:56:30
